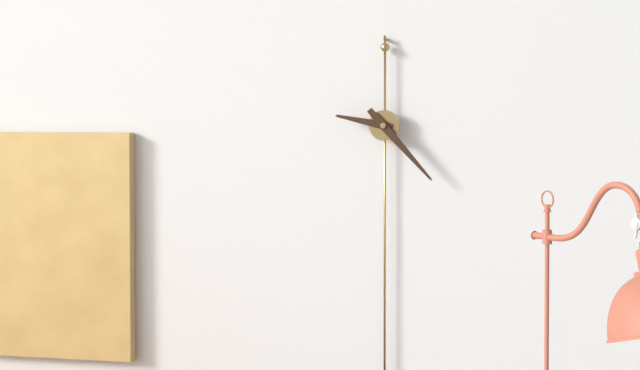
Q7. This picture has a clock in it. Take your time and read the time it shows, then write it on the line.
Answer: 9:23
